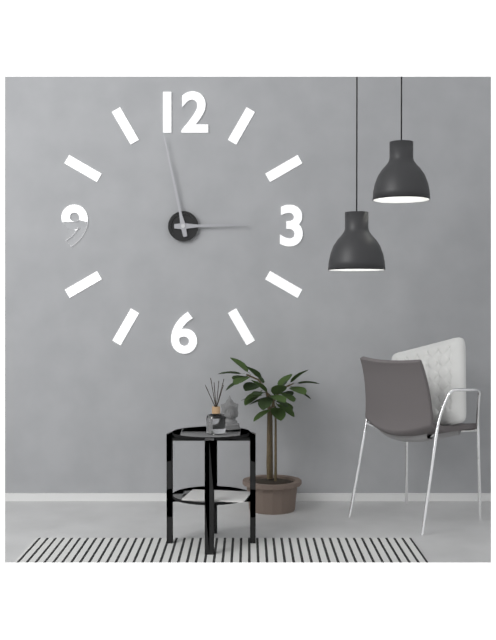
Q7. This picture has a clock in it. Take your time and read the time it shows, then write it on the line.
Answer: 2:58
